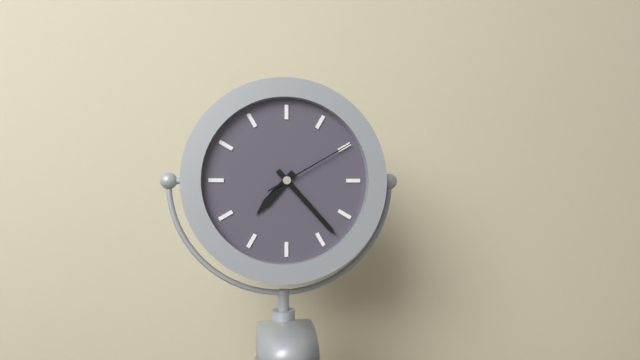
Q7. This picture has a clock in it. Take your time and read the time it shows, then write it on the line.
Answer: 7:23:10
